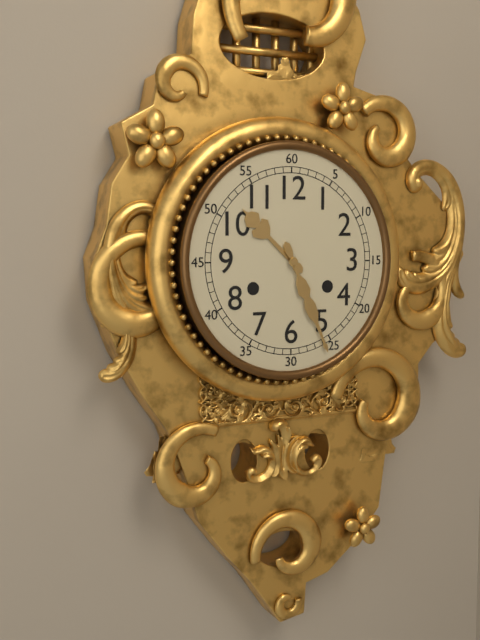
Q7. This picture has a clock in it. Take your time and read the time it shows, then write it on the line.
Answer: 10:26
